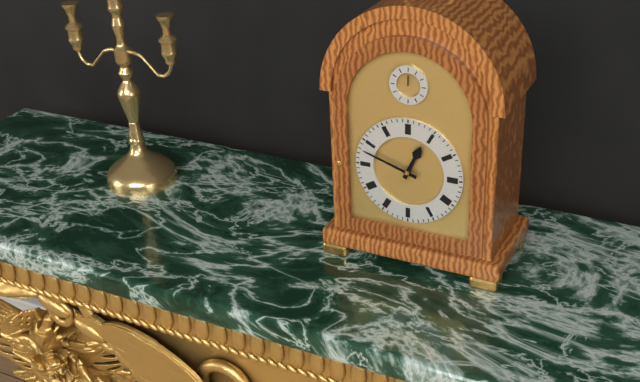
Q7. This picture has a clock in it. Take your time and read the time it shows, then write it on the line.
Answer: 12:48
